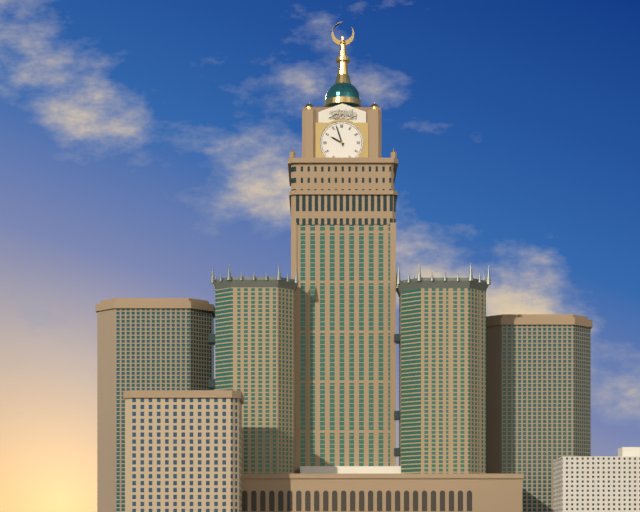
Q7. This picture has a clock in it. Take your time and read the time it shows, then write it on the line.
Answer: 9:57
